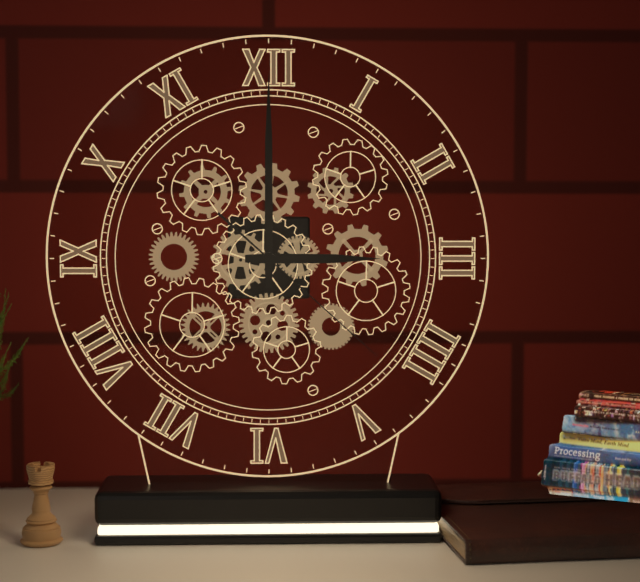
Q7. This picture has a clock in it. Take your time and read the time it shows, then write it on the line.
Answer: 3:00:22
